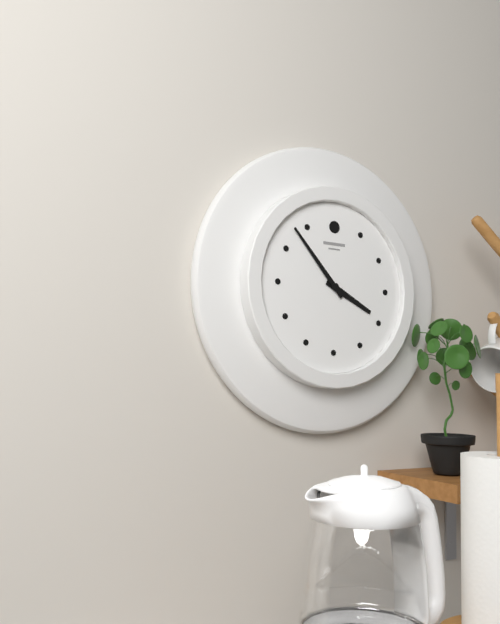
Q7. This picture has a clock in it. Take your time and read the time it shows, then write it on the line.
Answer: 3:53
